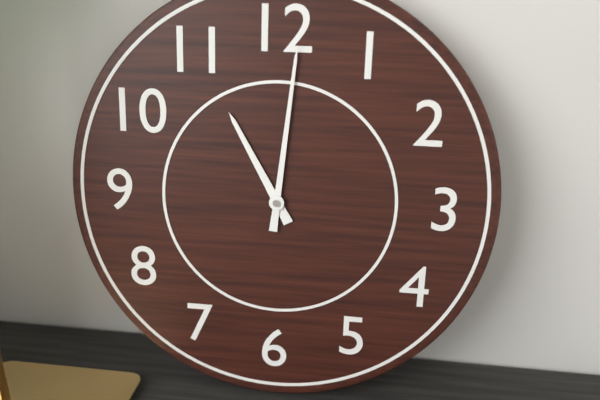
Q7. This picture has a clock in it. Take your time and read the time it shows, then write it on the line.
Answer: 11:01
